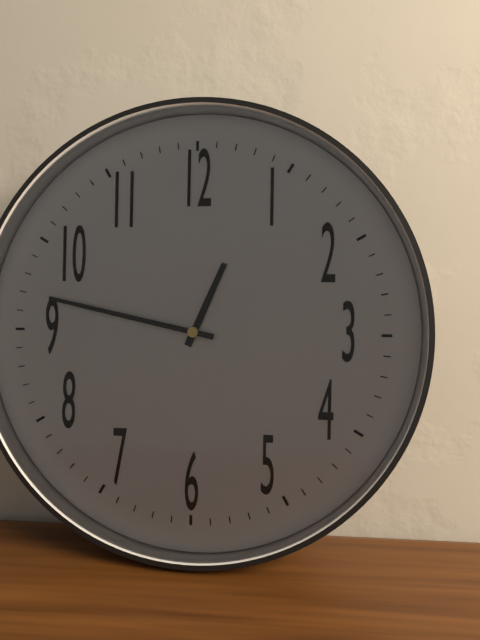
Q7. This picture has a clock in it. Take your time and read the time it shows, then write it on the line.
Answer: 12:47
